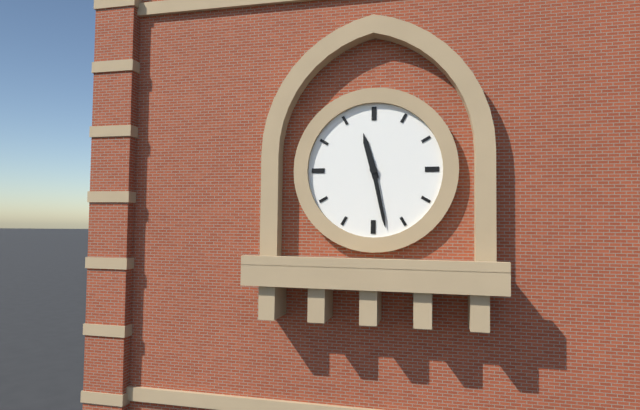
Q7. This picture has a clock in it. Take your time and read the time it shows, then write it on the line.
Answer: 11:28
